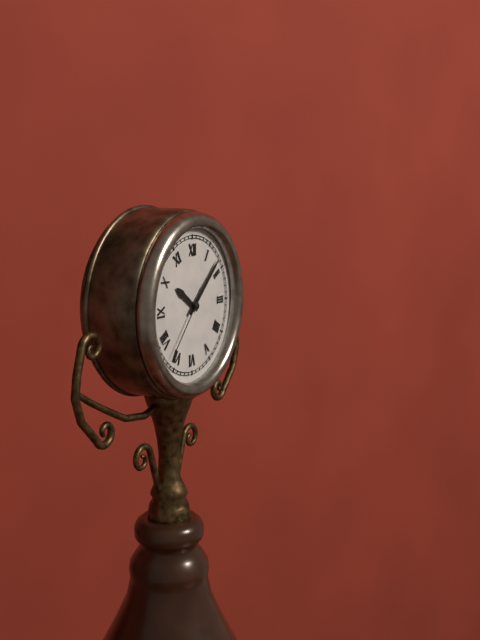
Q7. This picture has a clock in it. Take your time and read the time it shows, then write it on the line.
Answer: 10:08:37
